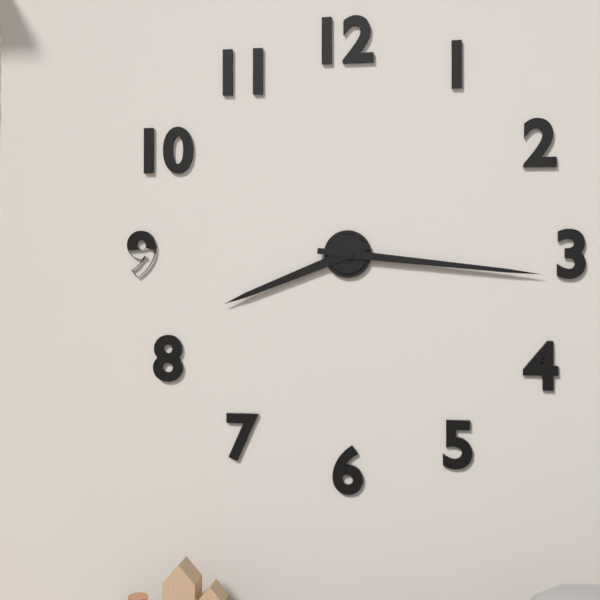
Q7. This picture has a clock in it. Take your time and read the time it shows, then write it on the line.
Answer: 8:16
